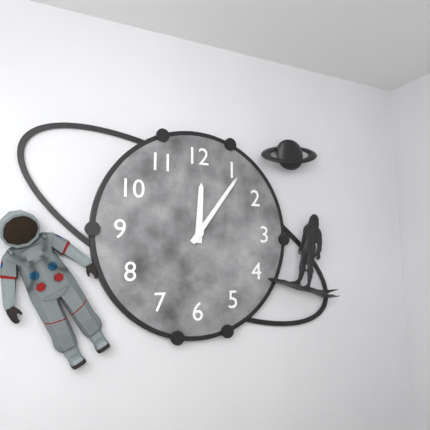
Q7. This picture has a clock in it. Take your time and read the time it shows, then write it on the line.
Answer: 12:06
